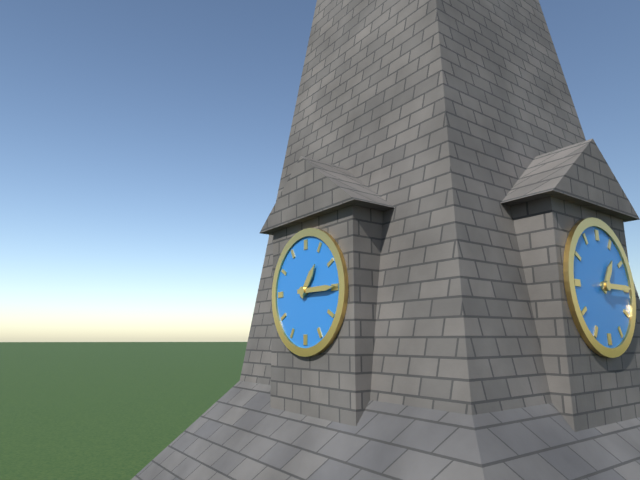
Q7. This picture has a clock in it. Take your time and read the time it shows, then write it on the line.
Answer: 1:15
